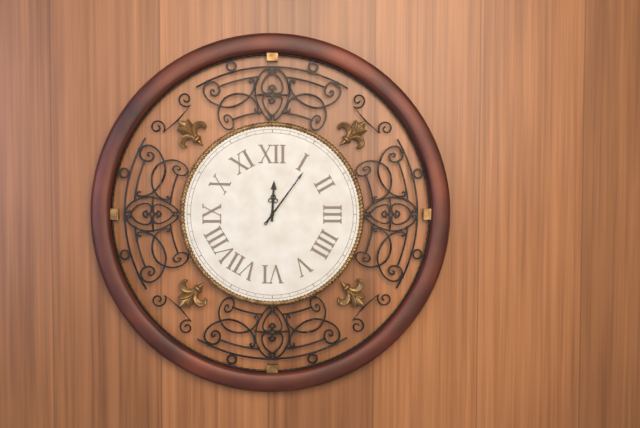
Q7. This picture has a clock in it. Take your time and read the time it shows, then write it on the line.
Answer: 12:06
